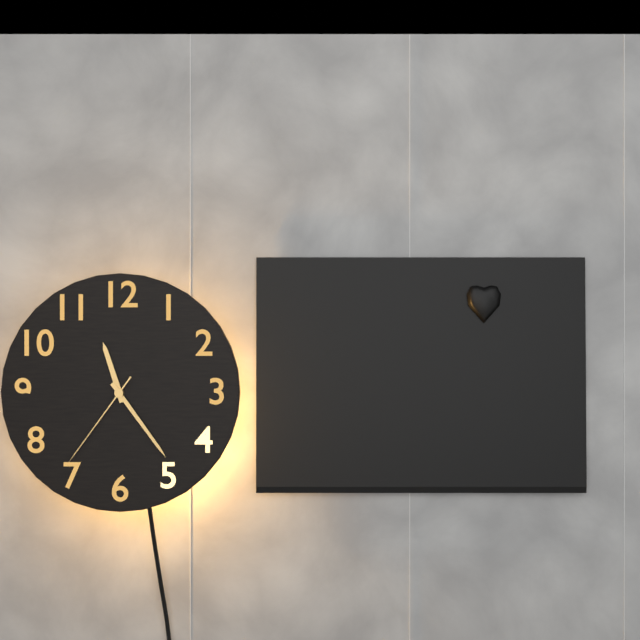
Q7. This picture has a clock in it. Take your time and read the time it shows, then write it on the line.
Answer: 11:24:36
